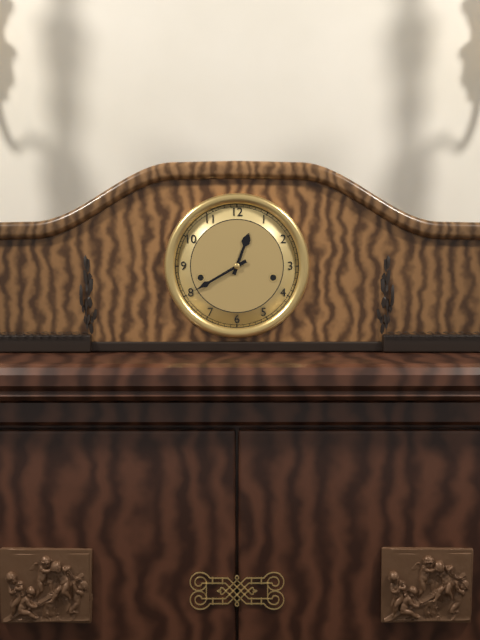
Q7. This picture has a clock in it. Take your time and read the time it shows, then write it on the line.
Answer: 12:40
